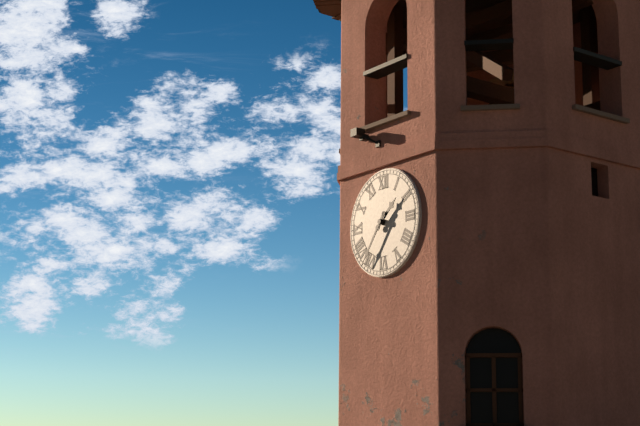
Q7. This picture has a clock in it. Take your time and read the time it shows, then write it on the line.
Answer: 1:36
